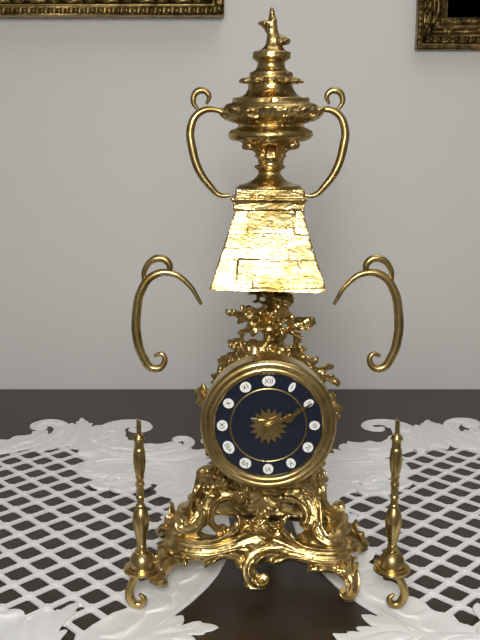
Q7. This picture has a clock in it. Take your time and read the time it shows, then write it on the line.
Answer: 2:10
